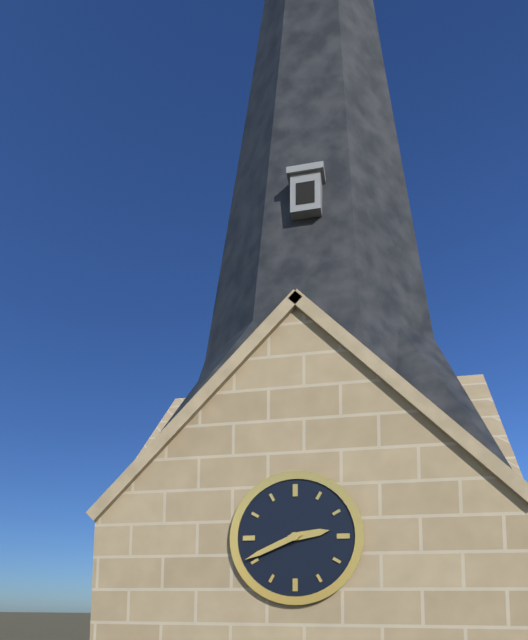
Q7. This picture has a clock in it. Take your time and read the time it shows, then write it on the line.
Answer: 2:41
